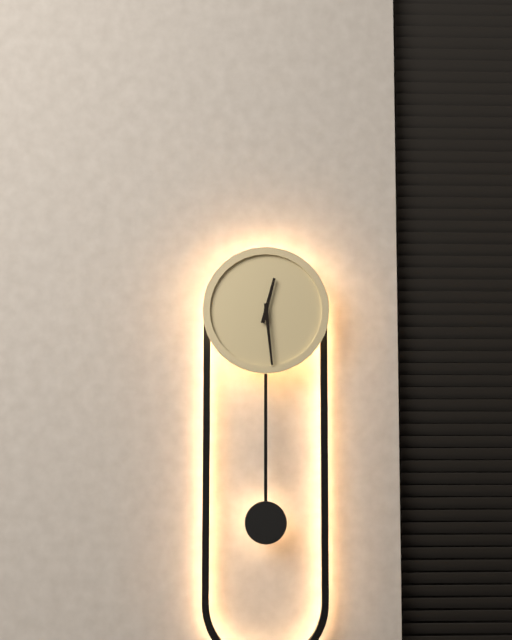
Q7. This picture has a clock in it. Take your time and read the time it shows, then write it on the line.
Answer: 12:29
